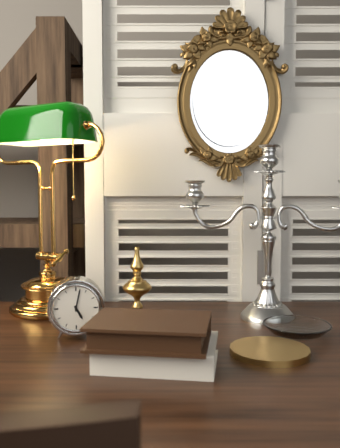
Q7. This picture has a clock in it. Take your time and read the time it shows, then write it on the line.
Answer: 5:02
